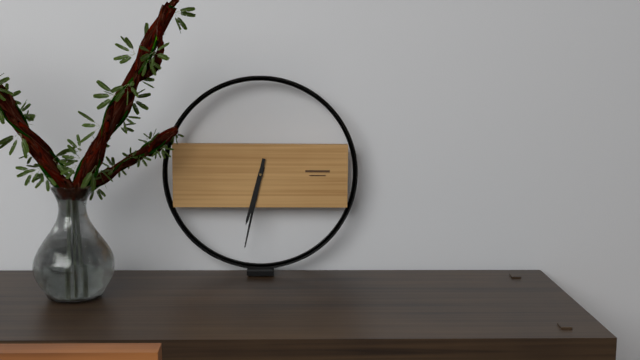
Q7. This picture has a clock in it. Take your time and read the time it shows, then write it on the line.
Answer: 6:32
